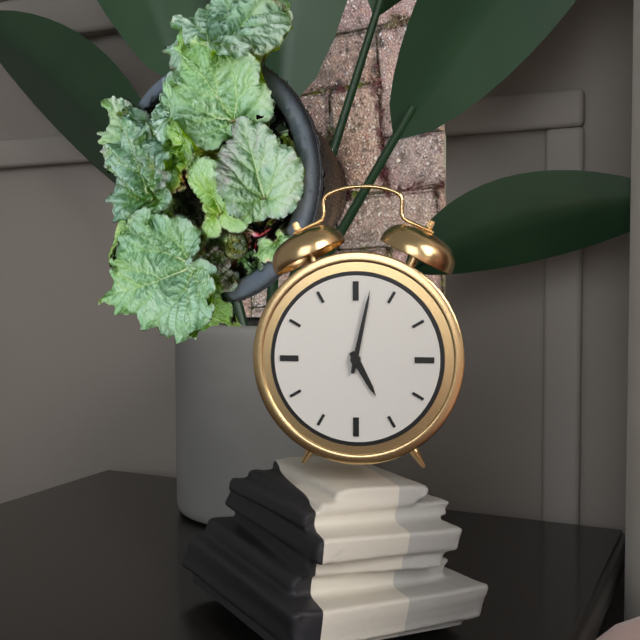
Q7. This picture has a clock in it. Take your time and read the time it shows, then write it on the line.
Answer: 5:02
